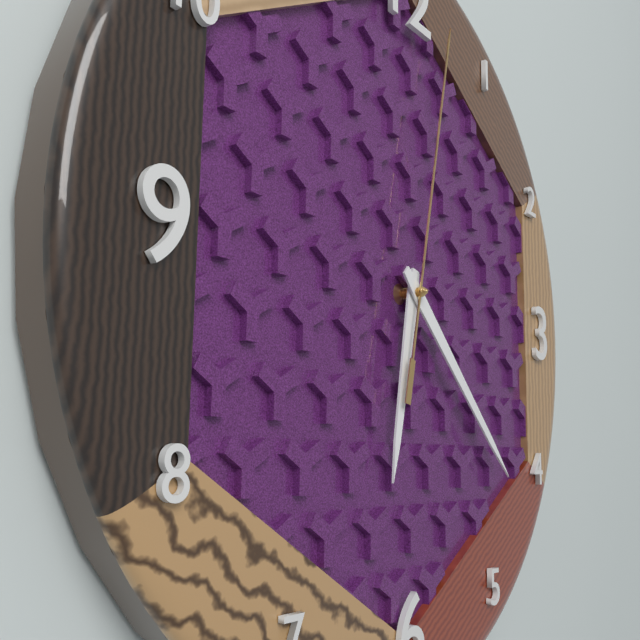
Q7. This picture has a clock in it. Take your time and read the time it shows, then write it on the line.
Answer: 6:22:02
